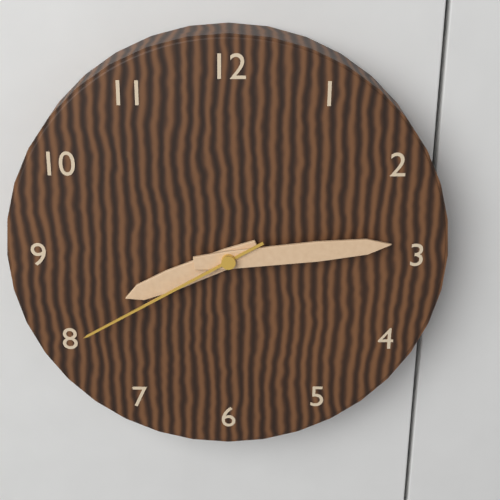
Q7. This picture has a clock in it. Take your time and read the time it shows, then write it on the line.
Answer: 8:14:40
